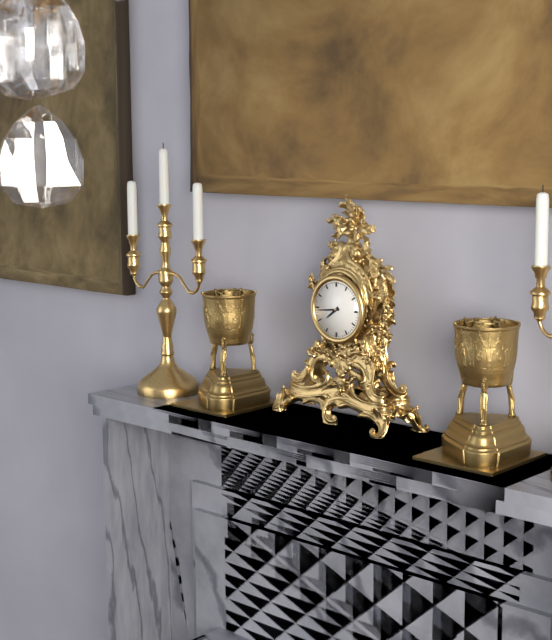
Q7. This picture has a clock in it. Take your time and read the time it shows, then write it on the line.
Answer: 7:44
